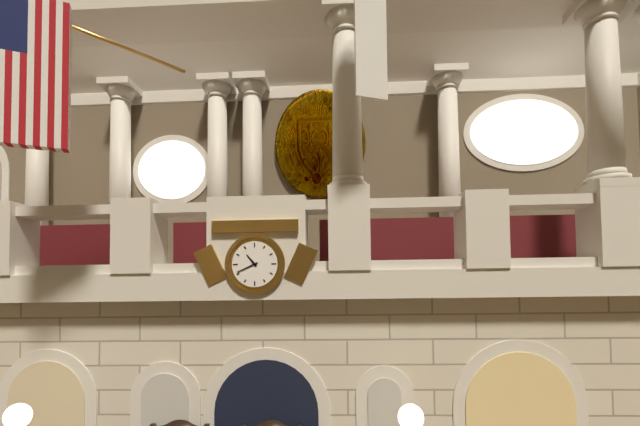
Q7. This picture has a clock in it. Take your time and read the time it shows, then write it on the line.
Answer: 10:41
